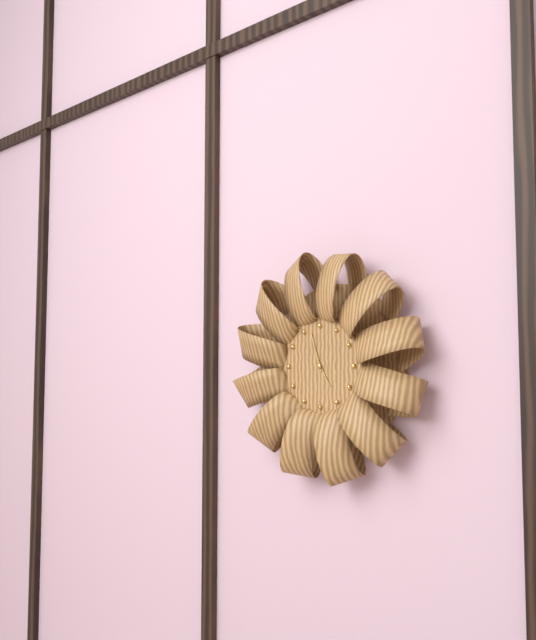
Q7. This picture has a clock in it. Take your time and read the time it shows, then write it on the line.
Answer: 4:57
